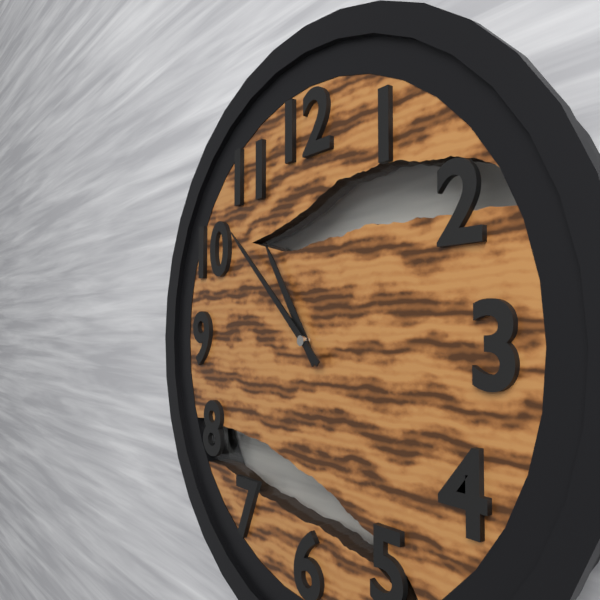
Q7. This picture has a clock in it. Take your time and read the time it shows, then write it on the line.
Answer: 10:52
